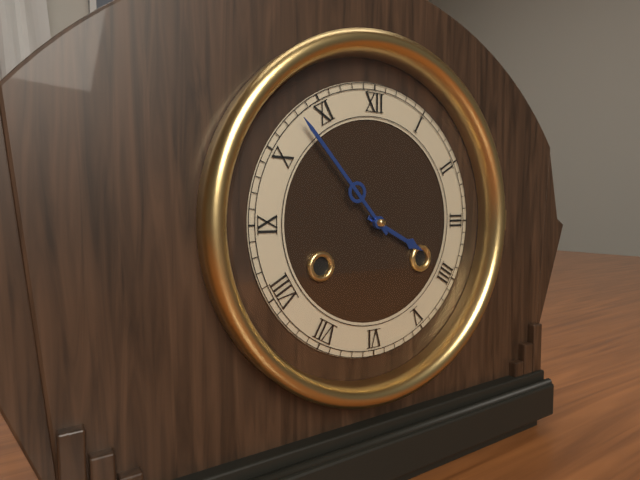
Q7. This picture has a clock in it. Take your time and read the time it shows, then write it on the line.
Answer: 3:53
